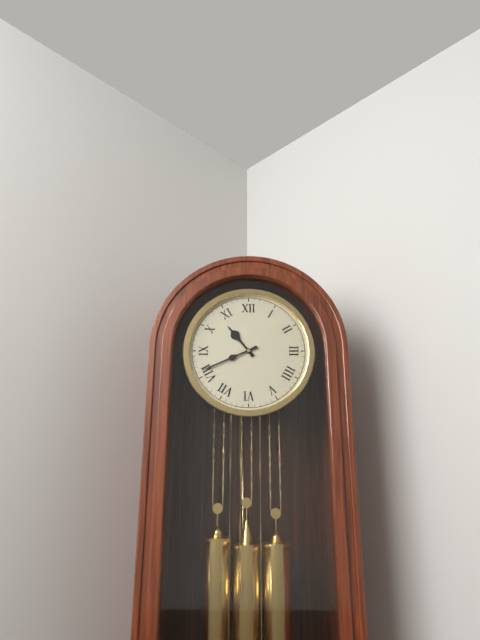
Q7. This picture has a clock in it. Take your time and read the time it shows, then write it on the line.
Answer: 10:41
